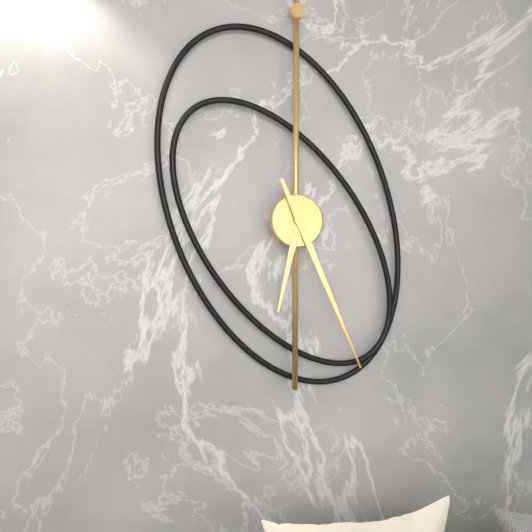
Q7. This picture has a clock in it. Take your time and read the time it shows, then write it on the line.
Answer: 6:26
